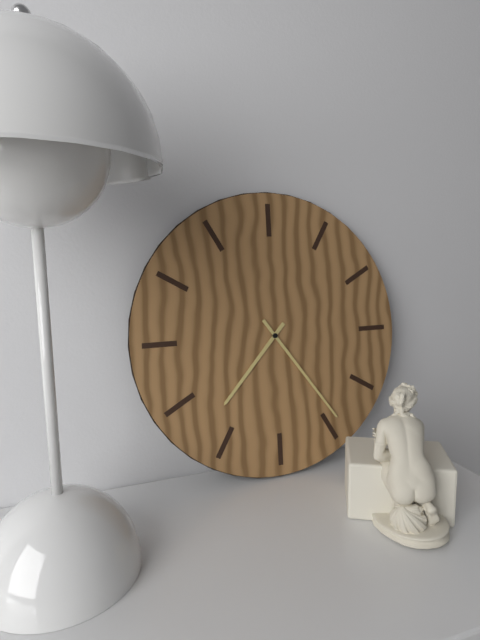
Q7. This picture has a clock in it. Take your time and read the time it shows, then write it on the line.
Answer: 7:24
